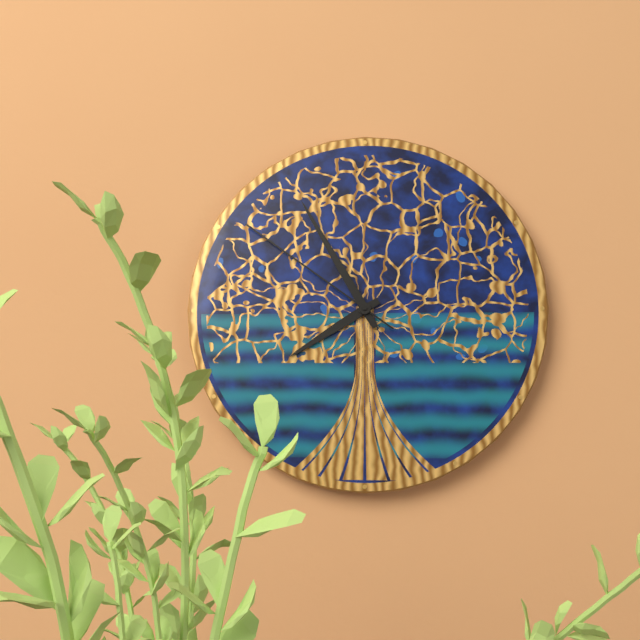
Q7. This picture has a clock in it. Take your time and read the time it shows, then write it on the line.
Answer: 7:55:51
